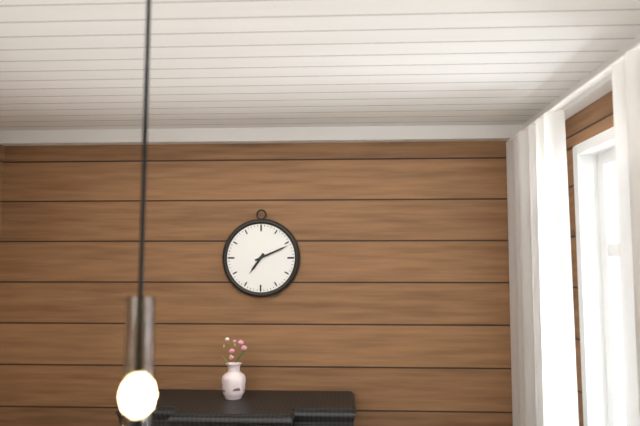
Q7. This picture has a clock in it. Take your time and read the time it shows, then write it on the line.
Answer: 7:11
